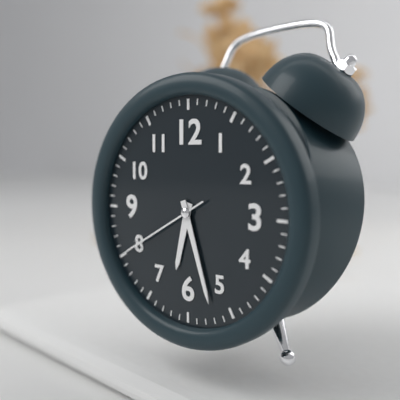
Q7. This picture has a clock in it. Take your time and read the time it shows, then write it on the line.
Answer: 6:27:40
